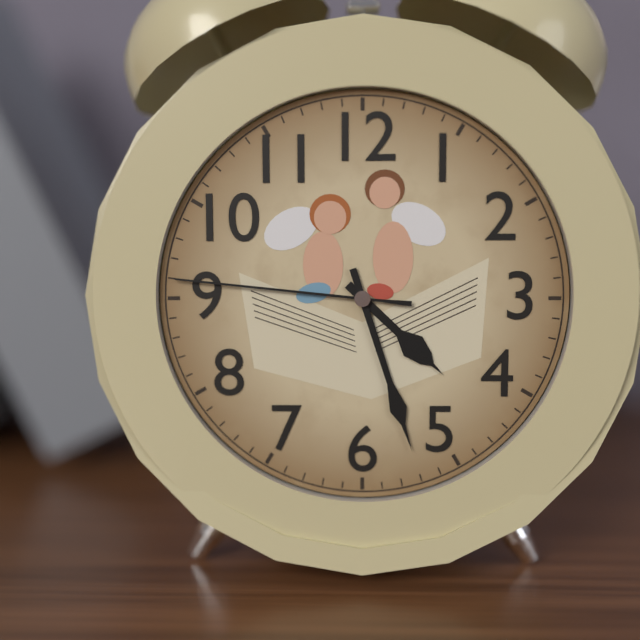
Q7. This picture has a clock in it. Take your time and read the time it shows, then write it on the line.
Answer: 4:27:46
